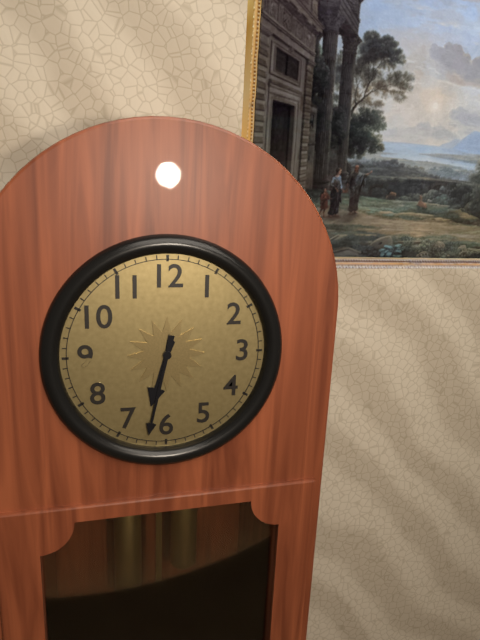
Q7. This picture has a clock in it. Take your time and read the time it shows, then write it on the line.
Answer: 6:32
